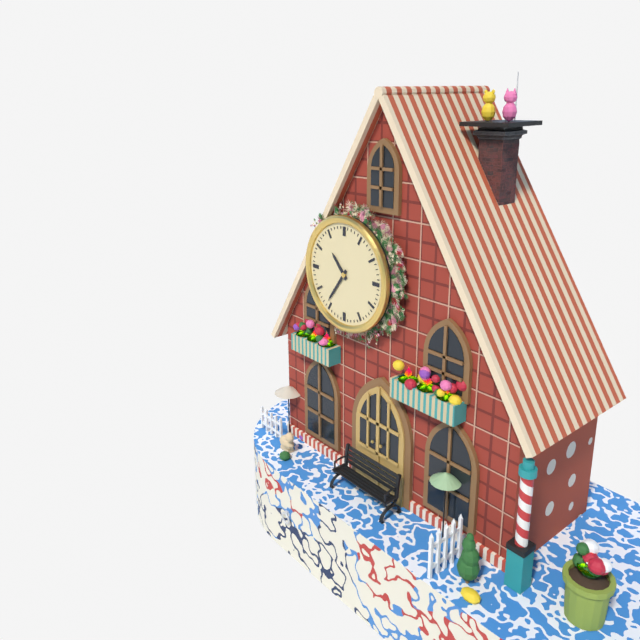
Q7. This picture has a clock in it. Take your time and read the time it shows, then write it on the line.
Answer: 10:36
